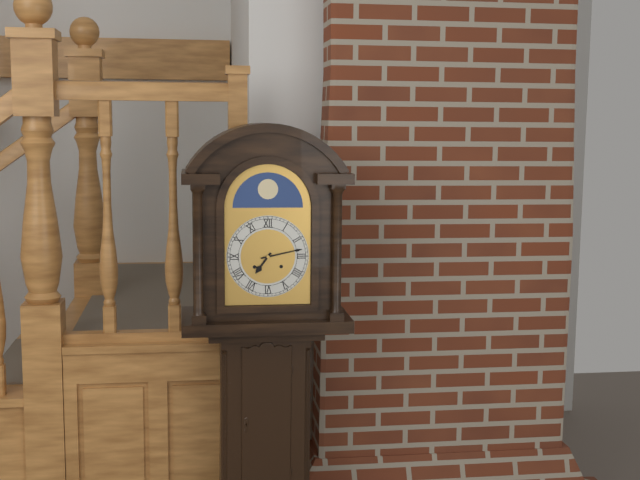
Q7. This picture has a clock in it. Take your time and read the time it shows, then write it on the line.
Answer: 7:13
